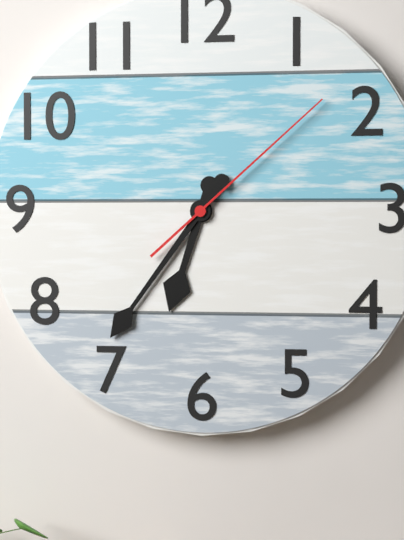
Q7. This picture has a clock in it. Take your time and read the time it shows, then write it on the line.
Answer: 6:36:08
